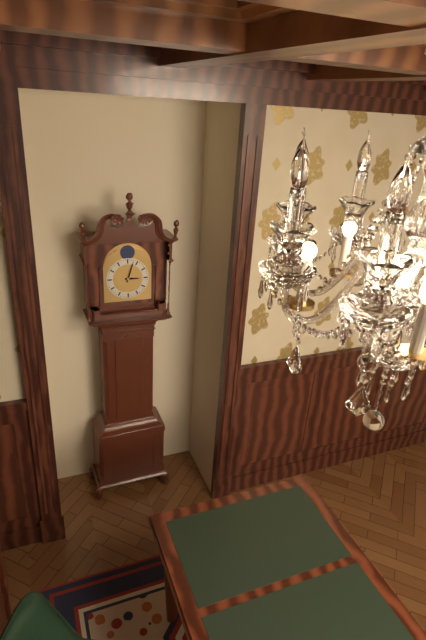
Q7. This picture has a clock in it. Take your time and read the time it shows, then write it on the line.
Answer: 3:03
